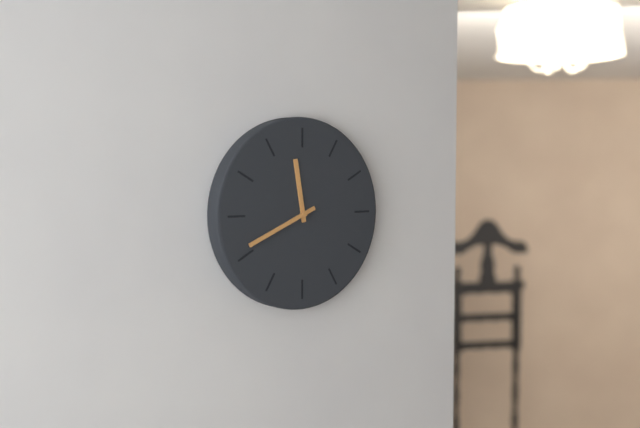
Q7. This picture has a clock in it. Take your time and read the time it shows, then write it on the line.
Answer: 11:41
